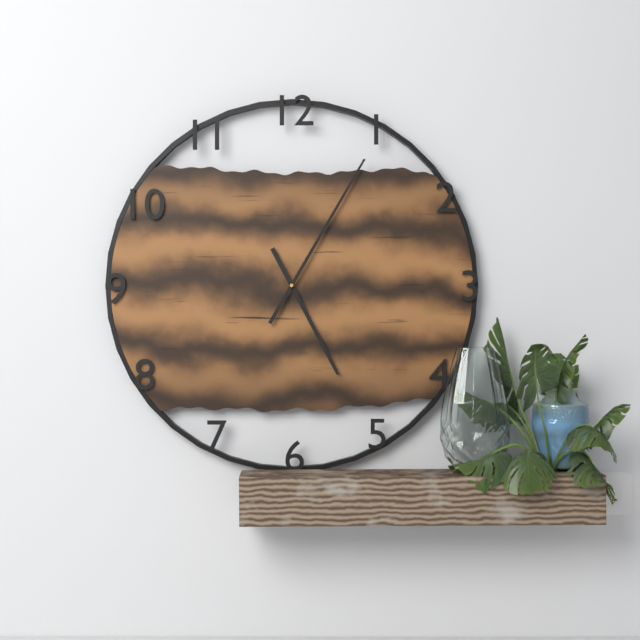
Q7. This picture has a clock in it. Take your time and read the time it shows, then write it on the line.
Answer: 5:05
